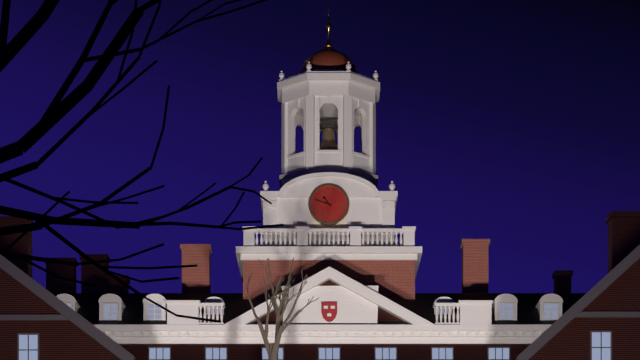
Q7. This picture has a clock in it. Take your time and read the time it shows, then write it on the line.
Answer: 10:48
